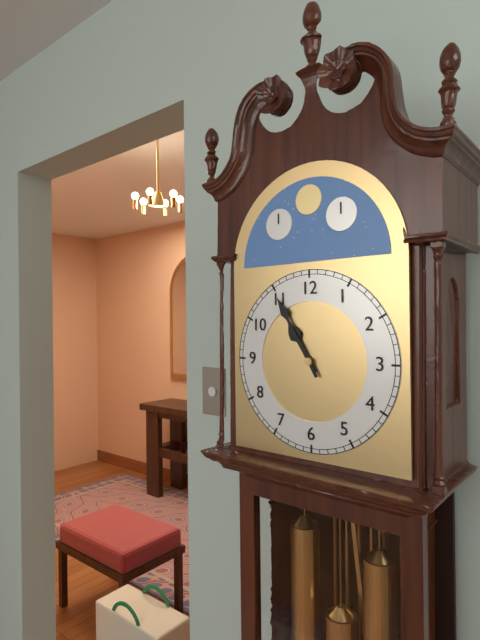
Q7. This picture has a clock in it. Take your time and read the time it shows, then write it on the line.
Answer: 10:55
